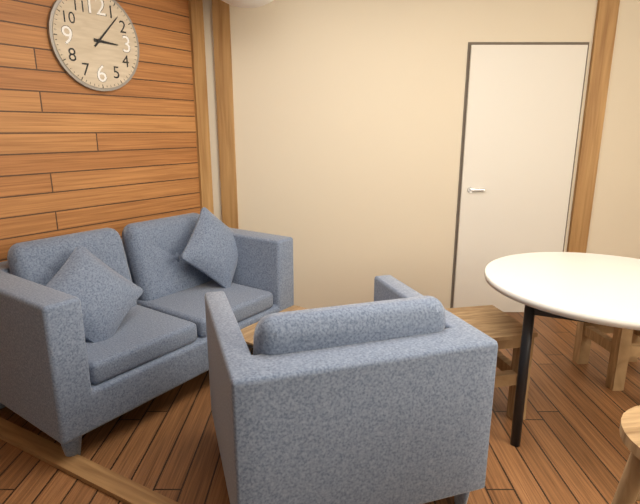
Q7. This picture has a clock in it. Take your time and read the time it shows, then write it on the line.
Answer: 3:07
